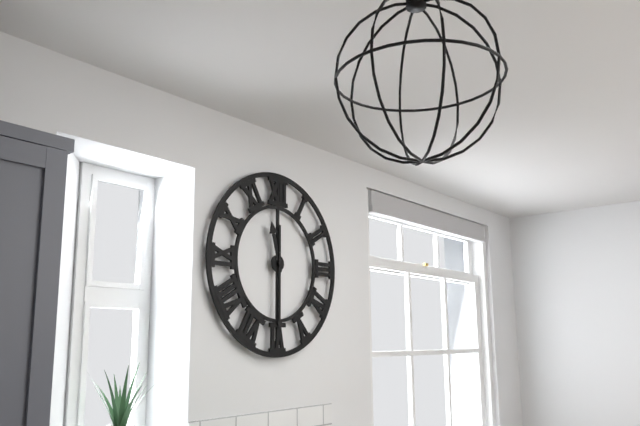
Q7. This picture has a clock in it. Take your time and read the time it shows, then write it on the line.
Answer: 11:30
